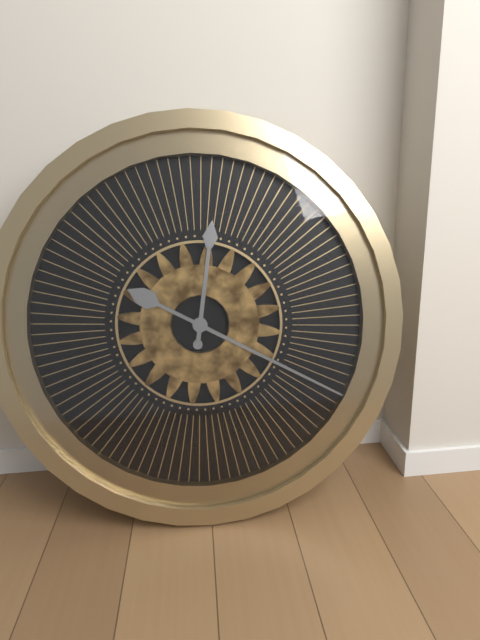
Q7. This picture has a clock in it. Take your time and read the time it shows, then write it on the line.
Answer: 12:20
